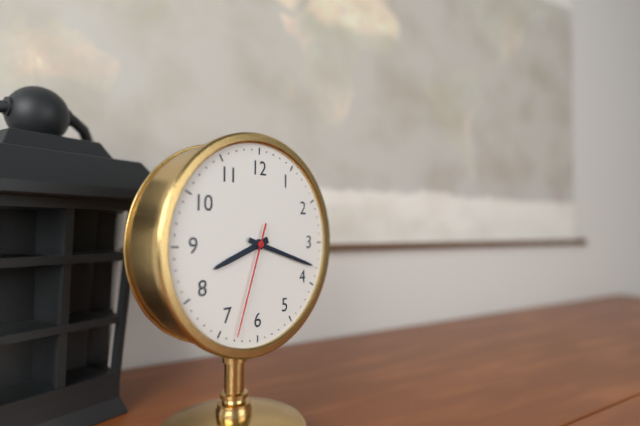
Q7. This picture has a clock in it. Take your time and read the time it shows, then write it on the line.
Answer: 8:18:33
